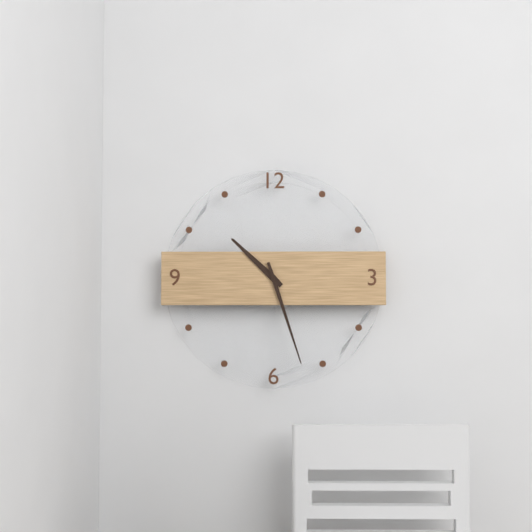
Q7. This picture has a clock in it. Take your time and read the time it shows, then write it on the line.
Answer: 10:27
